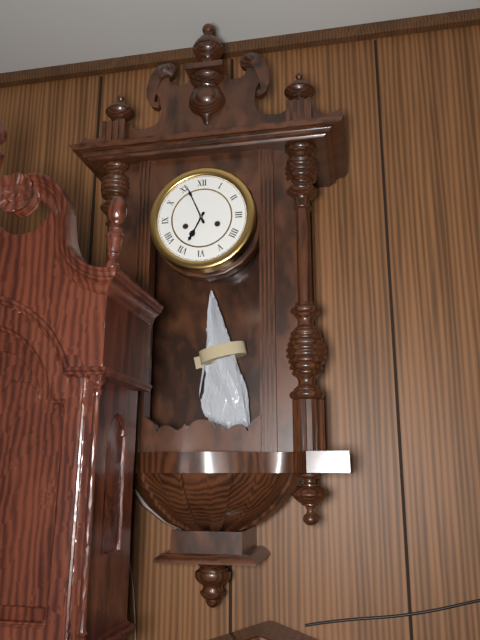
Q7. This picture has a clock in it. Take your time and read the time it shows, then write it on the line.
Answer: 6:56
